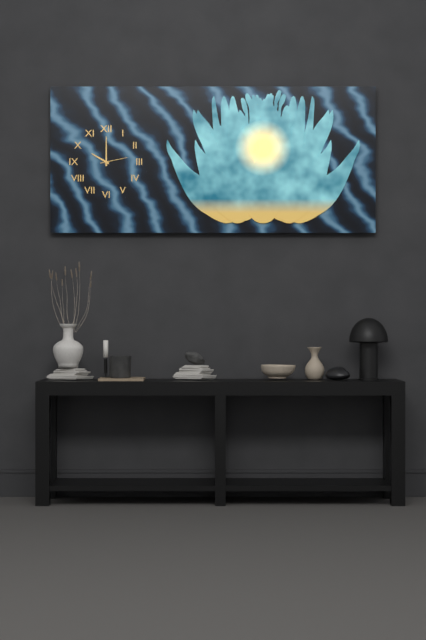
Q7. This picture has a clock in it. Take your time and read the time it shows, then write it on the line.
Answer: 10:00
